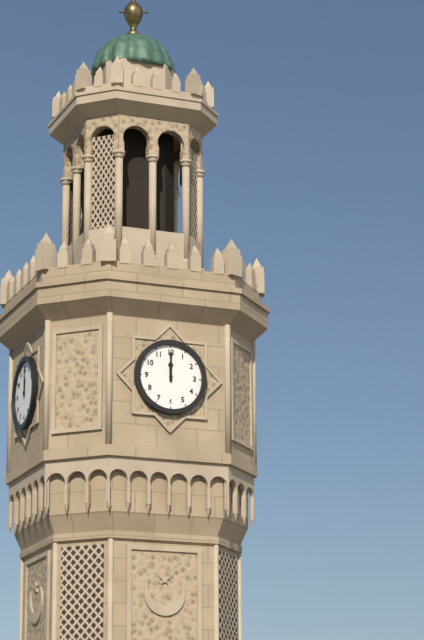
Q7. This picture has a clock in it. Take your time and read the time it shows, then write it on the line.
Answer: 12:00
